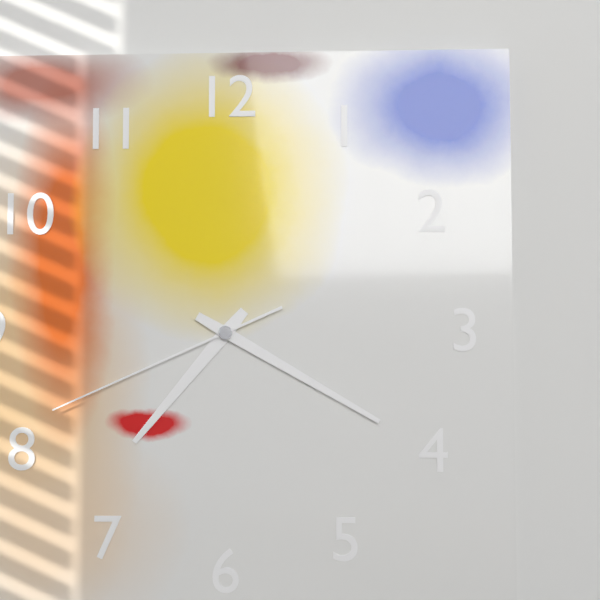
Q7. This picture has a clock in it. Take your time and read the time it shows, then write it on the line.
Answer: 7:20:41
